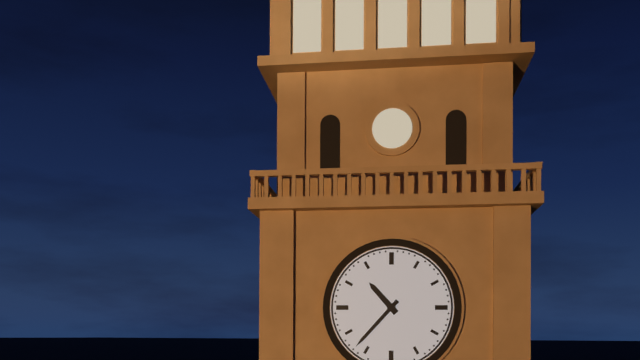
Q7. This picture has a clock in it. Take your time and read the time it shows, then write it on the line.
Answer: 10:37
